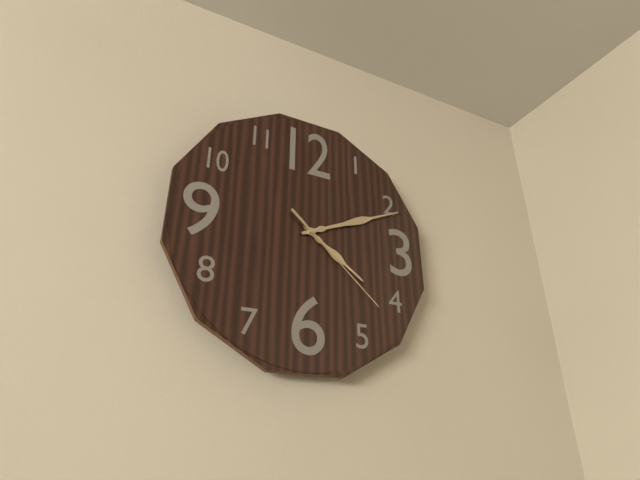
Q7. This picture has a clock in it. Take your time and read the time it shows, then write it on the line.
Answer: 4:11:22
